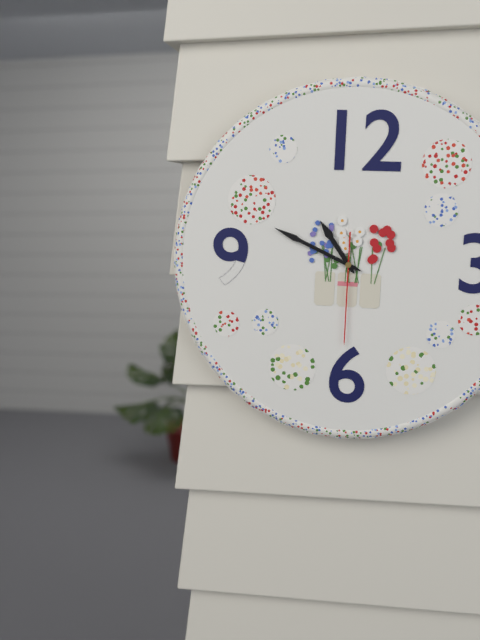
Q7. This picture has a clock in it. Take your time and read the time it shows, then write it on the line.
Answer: 10:49:30
